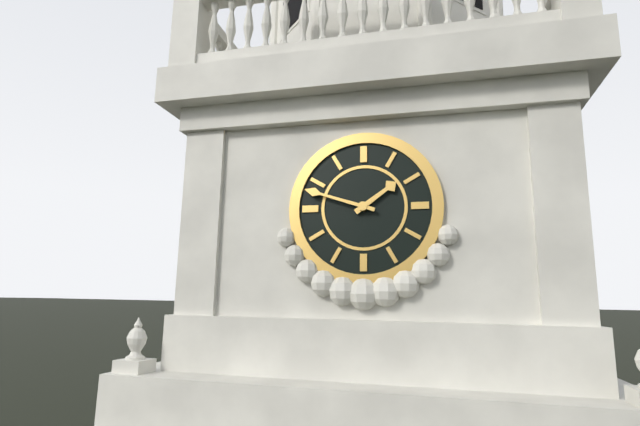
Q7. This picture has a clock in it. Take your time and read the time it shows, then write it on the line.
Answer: 1:48
